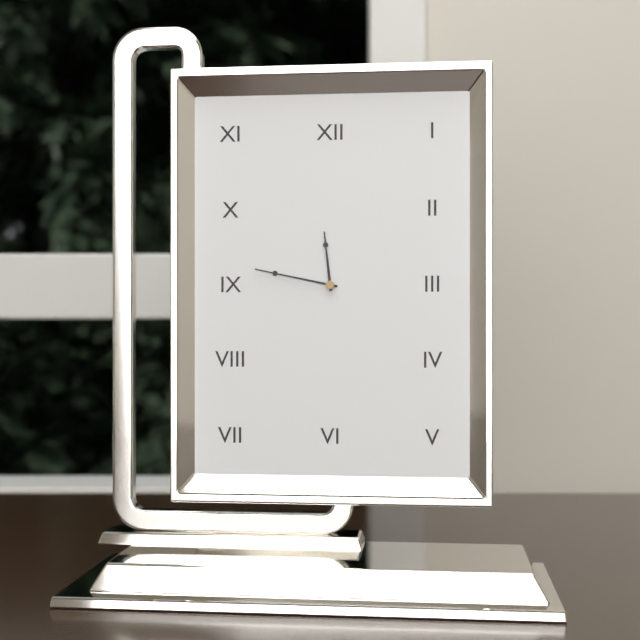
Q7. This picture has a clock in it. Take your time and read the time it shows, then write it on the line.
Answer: 11:47
